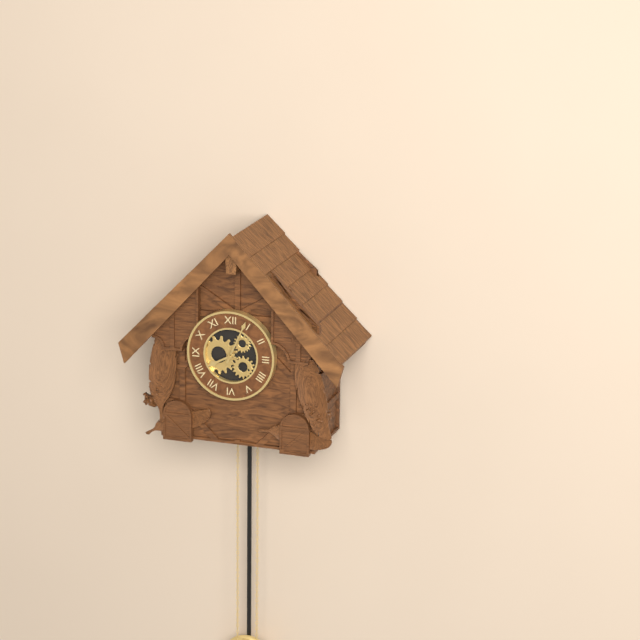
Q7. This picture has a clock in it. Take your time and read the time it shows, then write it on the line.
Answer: 8:04
